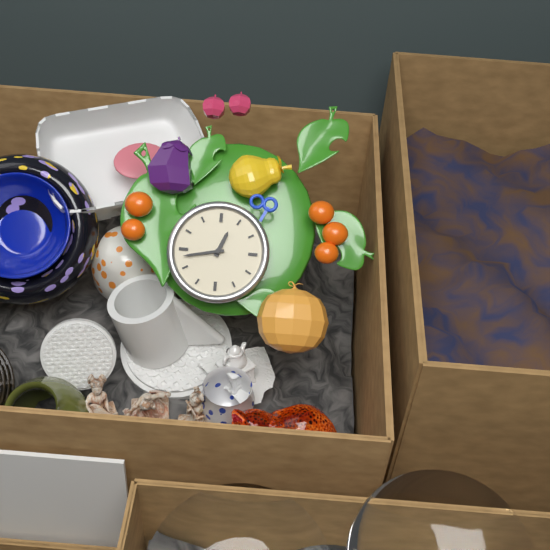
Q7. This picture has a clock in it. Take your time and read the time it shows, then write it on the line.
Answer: 12:43
